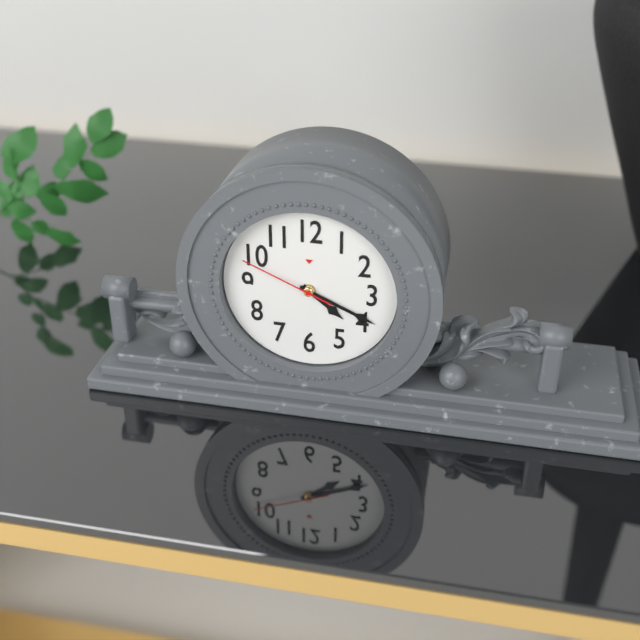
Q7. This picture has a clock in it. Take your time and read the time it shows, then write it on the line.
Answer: 4:19:49
